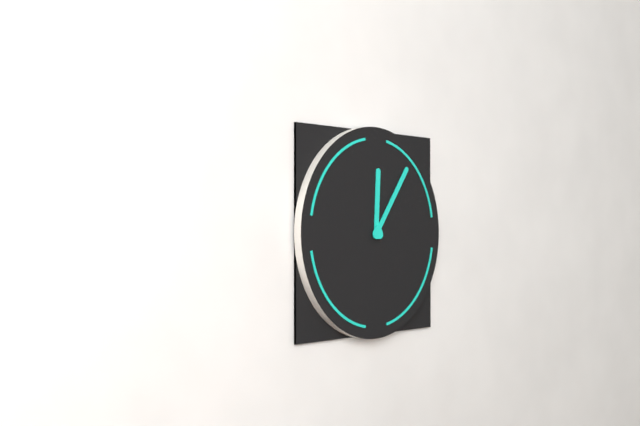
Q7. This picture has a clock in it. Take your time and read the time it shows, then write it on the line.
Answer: 12:06
